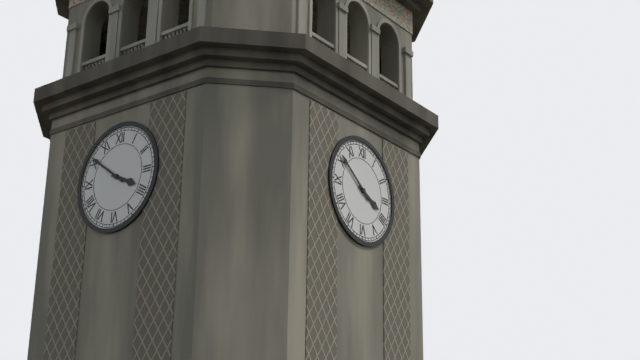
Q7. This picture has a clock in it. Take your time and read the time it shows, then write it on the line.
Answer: 3:51
